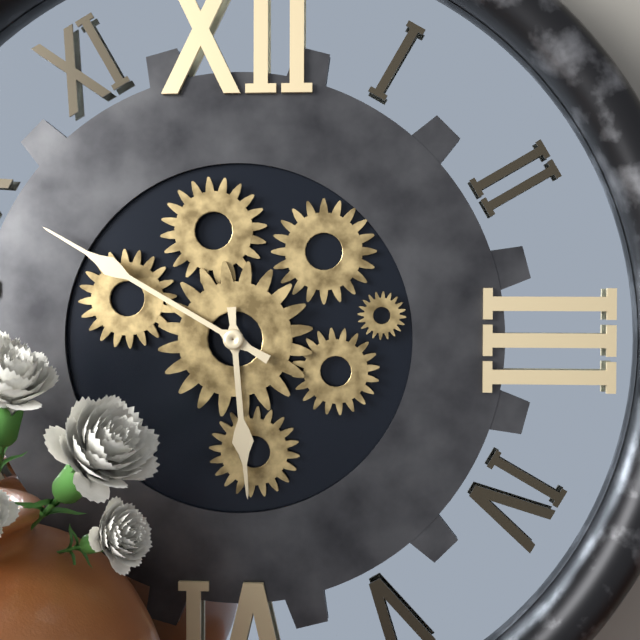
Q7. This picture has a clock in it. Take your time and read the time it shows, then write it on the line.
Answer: 5:50
